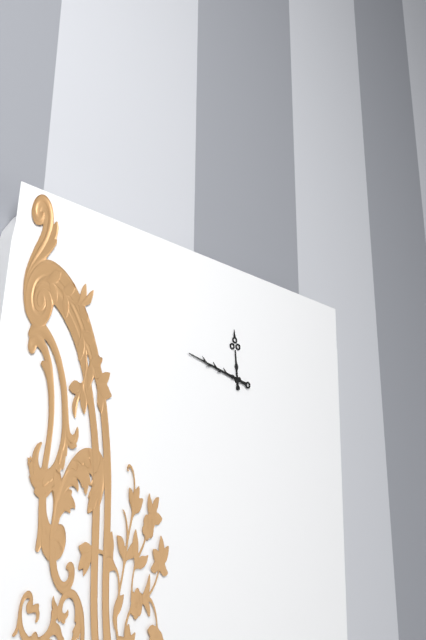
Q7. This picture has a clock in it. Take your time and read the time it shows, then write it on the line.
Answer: 11:47
